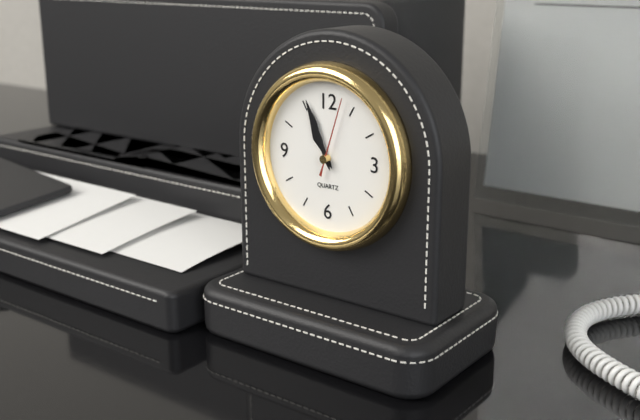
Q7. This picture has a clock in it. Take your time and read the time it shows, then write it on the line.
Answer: 10:56:03
